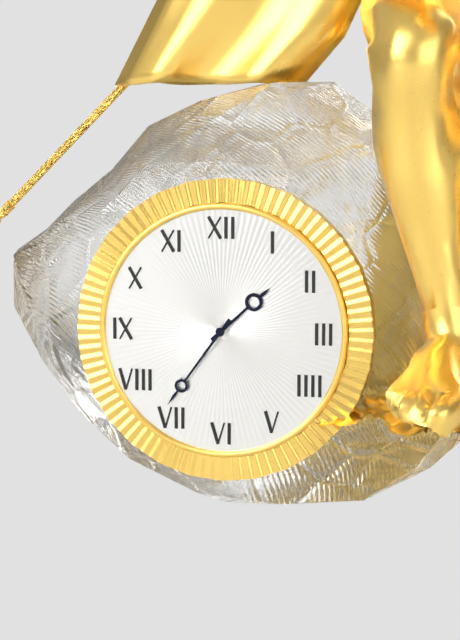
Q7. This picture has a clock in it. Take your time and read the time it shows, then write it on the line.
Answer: 1:36
